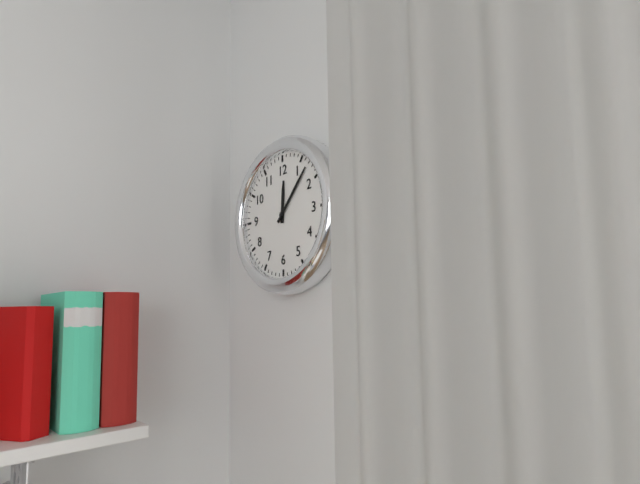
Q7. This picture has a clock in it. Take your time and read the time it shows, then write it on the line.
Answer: 12:07
